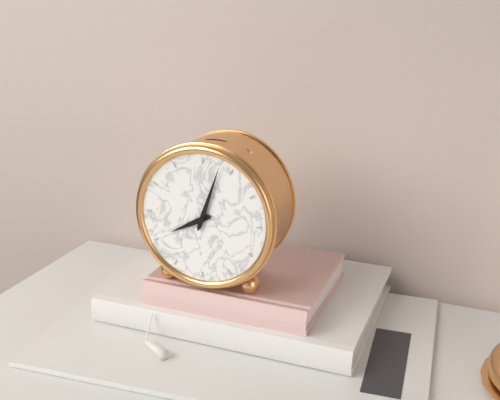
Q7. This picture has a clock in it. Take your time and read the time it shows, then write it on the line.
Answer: 8:03
